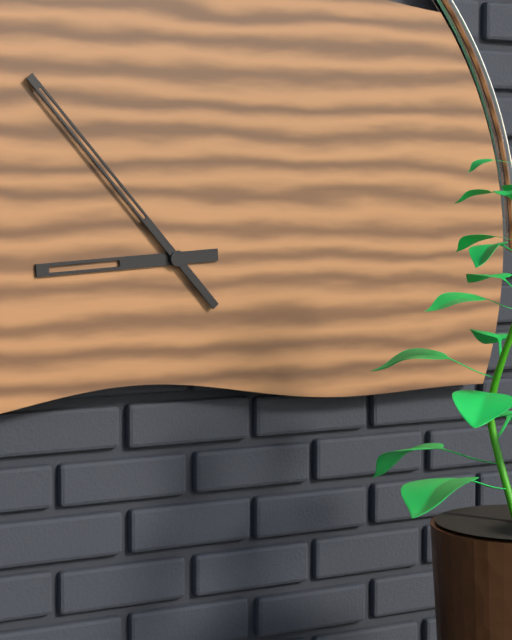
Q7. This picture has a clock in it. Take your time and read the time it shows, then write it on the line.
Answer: 8:53
